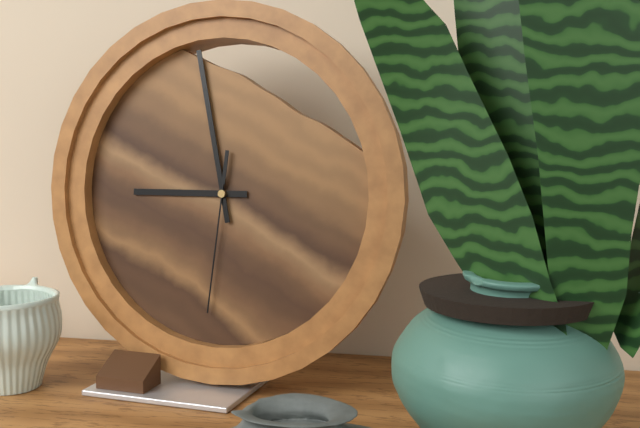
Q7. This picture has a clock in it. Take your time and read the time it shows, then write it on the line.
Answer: 8:58:31
